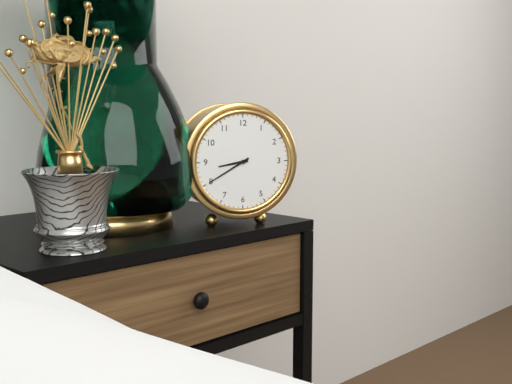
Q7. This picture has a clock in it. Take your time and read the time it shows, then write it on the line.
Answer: 8:40
